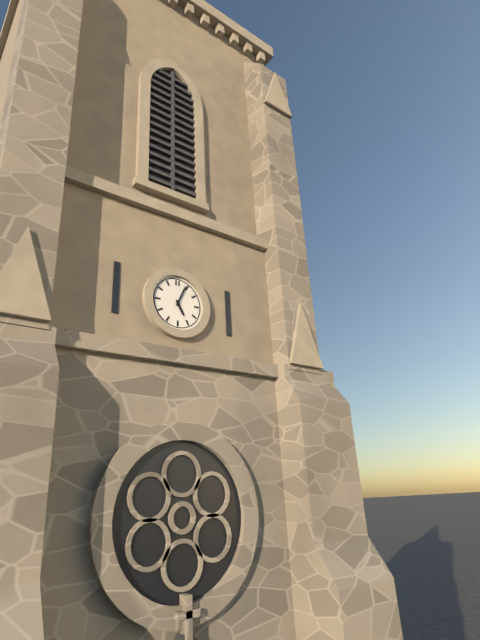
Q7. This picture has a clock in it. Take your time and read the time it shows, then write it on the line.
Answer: 5:04
